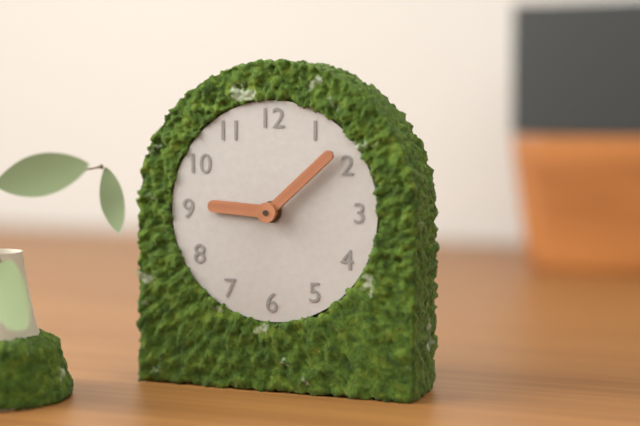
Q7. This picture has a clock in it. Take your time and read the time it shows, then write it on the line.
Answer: 9:08
